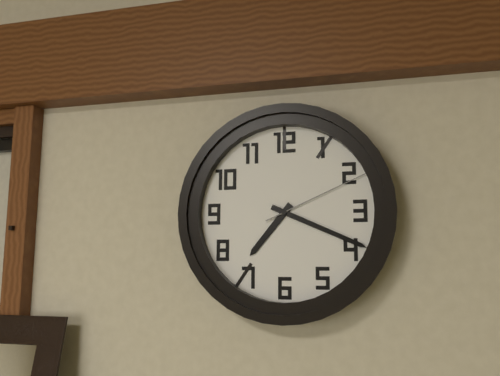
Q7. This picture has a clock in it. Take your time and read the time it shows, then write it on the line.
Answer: 7:19:11
